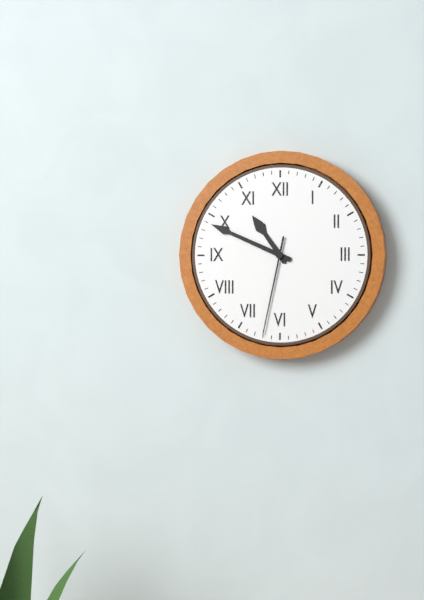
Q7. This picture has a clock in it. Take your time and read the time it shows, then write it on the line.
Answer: 10:49:32
